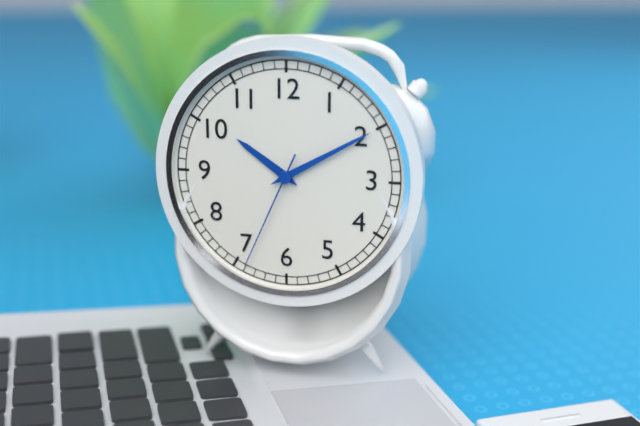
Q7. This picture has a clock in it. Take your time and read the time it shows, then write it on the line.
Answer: 10:10:34
